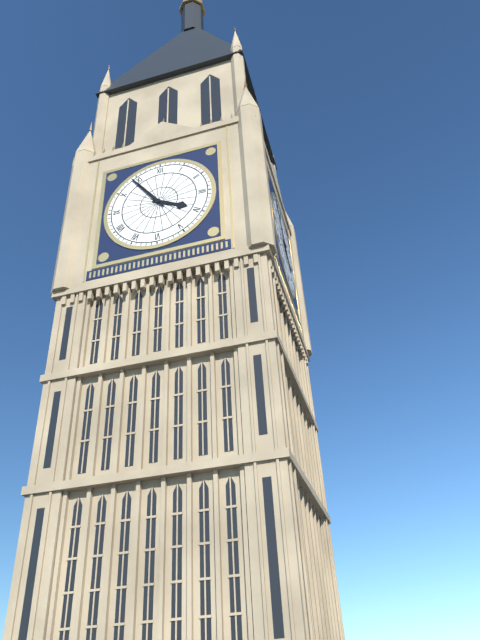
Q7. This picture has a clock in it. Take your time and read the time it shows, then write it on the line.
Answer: 3:54
